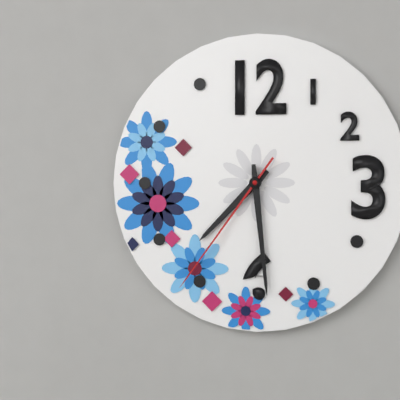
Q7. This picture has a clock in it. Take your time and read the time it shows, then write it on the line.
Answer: 7:29:36
